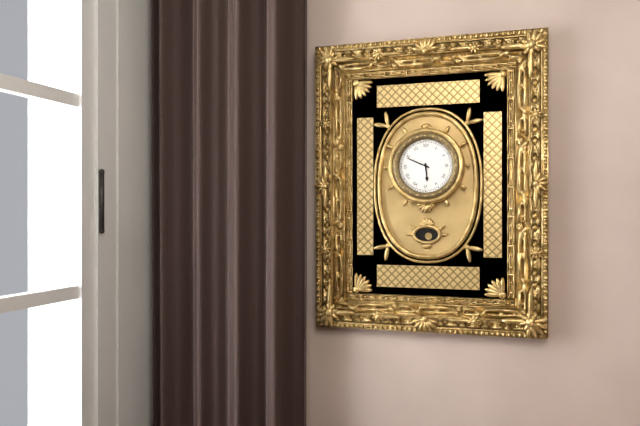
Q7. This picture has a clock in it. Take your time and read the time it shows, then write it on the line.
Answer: 5:49
